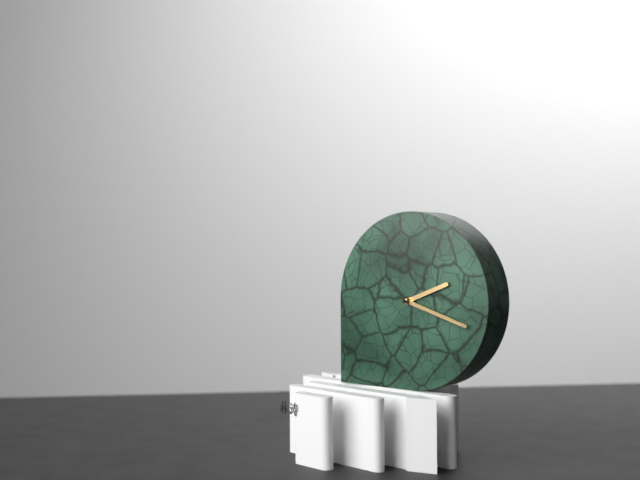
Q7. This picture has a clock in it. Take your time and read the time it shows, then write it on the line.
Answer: 2:18
